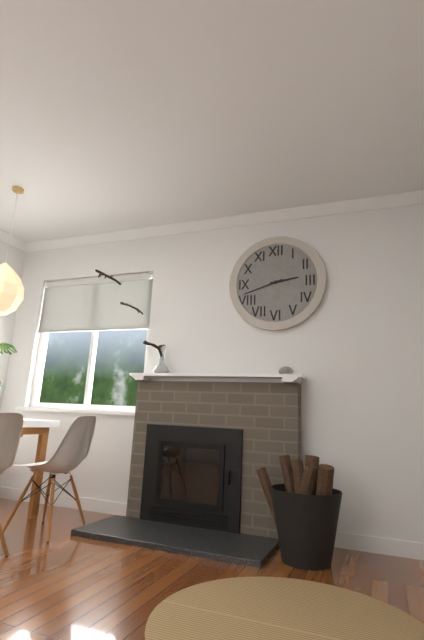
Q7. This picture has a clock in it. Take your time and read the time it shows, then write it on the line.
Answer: 2:42
